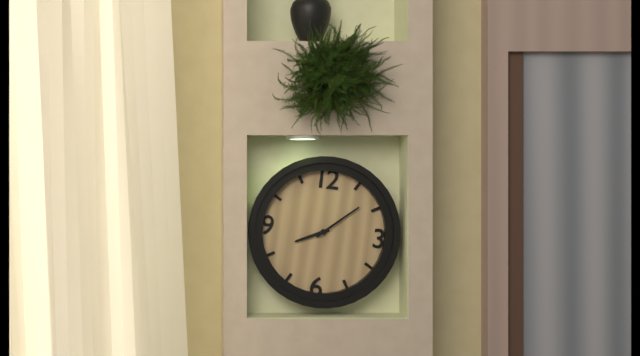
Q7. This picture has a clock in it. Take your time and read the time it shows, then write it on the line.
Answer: 8:08
